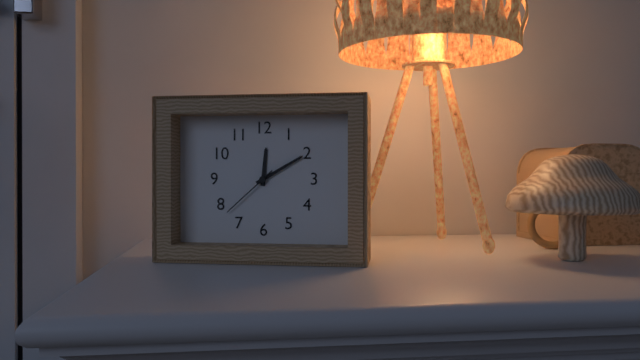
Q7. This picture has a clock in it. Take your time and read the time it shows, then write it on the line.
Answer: 12:10:38
